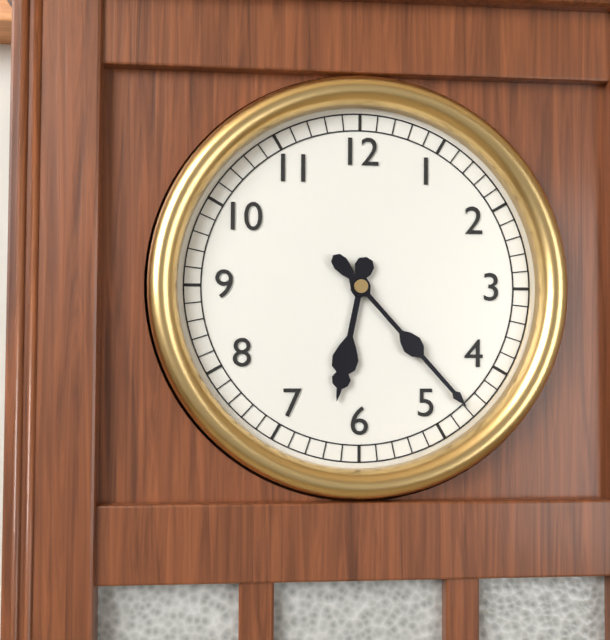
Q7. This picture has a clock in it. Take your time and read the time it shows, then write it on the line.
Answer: 6:23
